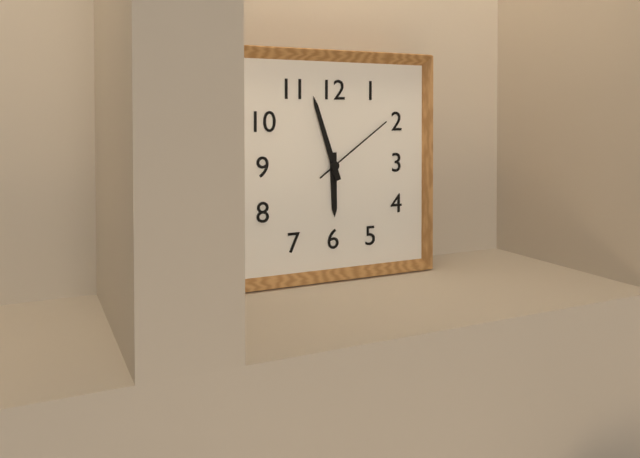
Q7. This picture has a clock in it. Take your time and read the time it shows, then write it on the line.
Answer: 5:57:09
